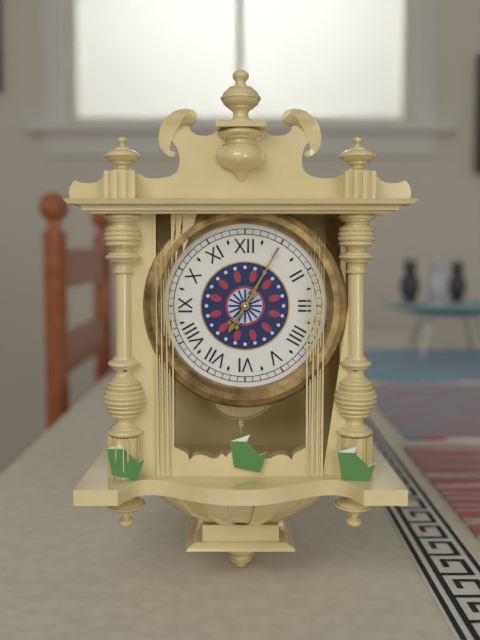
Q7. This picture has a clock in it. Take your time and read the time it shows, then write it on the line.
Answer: 7:05
